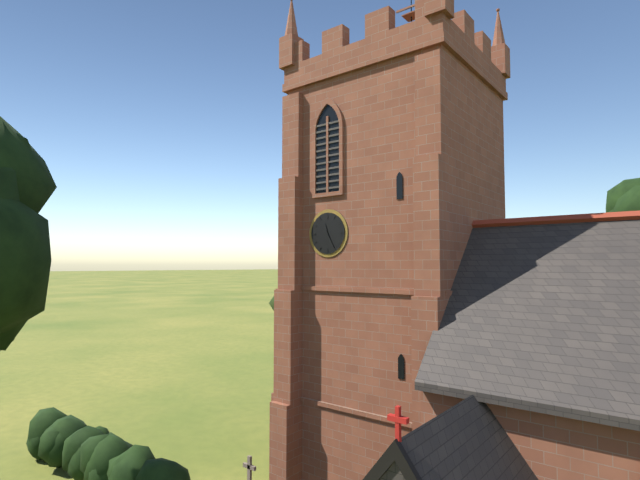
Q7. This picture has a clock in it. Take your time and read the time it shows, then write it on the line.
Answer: 11:25
